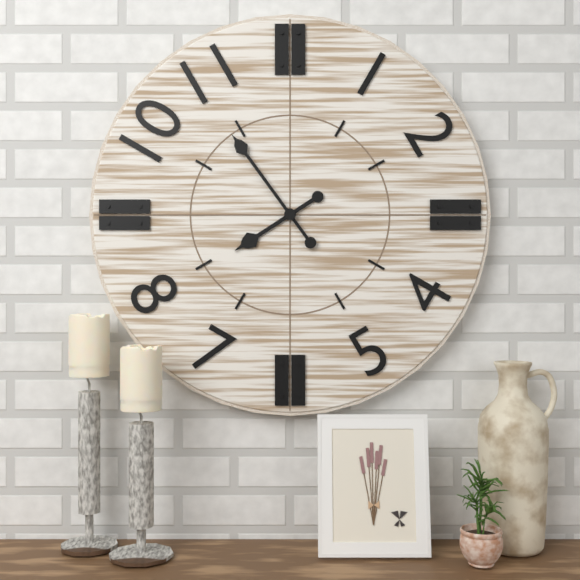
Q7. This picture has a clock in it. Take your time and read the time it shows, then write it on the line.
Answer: 7:54
